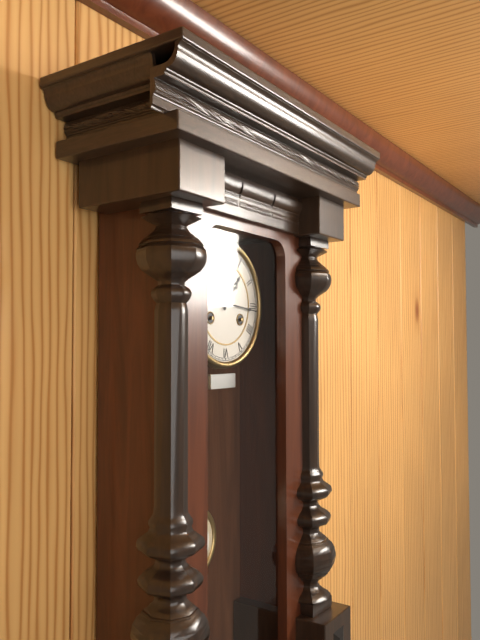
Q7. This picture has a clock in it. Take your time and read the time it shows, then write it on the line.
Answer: 1:16
